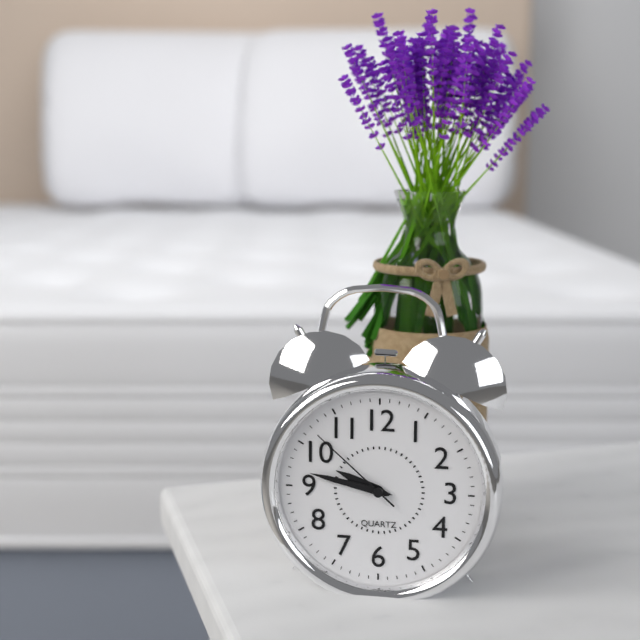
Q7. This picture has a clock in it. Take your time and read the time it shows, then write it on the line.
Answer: 9:47:52
